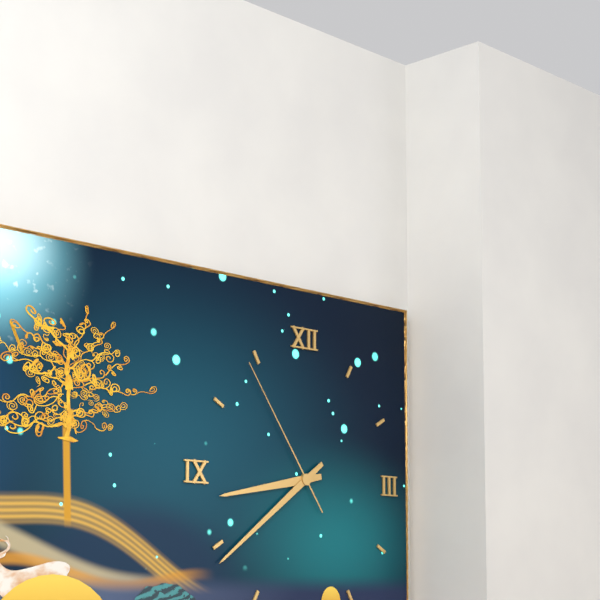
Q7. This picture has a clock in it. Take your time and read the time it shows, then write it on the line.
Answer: 8:39:54
